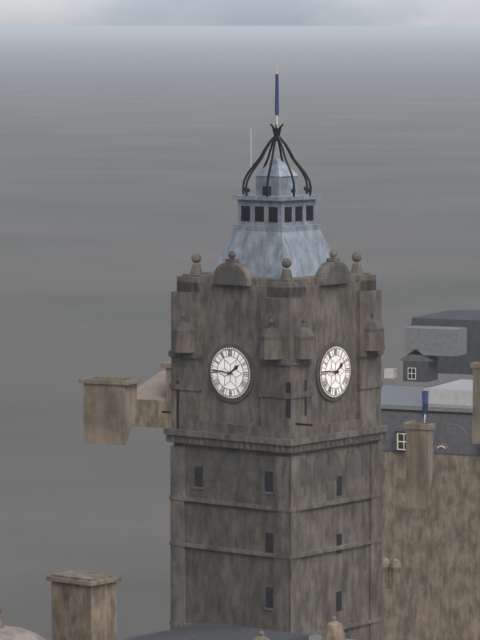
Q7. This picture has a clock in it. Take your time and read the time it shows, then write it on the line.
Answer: 1:46
